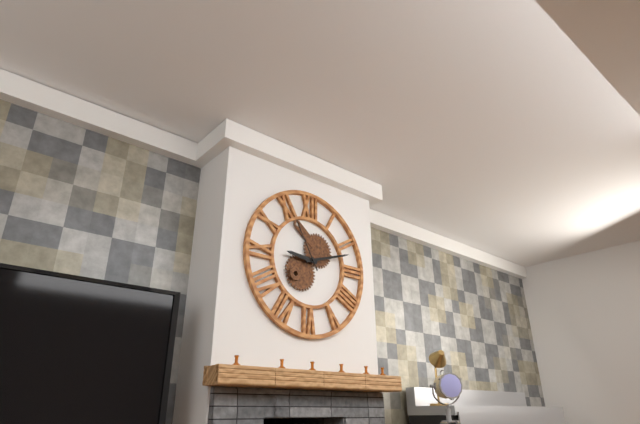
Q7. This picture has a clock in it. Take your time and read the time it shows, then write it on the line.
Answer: 9:12:55
